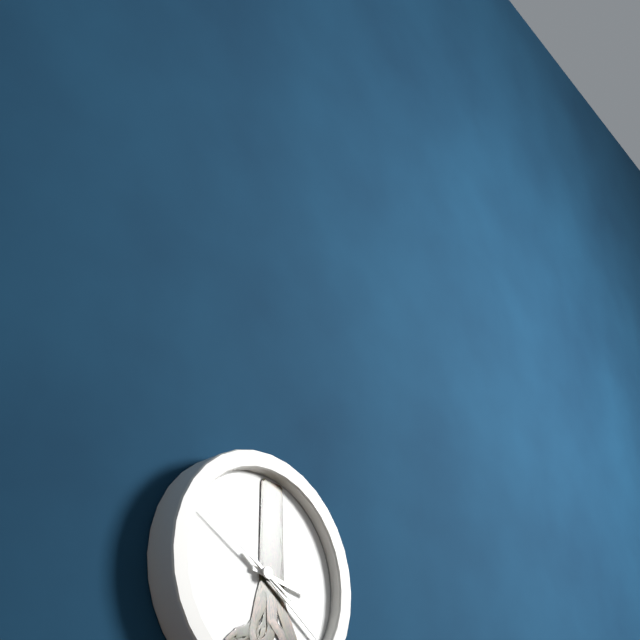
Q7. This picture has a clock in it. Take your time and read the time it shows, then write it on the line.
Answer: 3:21:50
